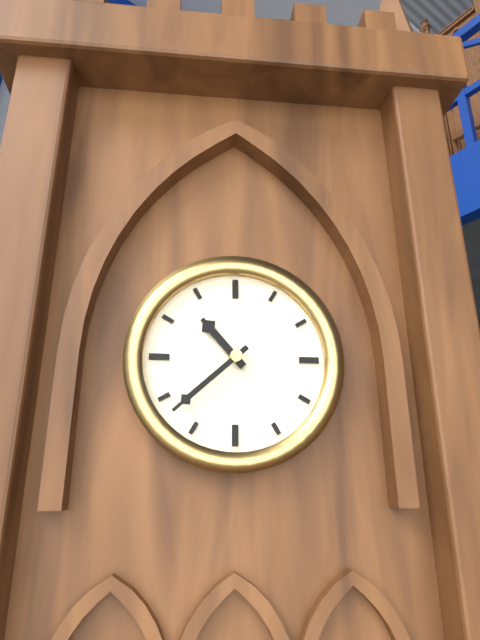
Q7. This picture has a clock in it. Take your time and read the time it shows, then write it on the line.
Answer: 10:38
